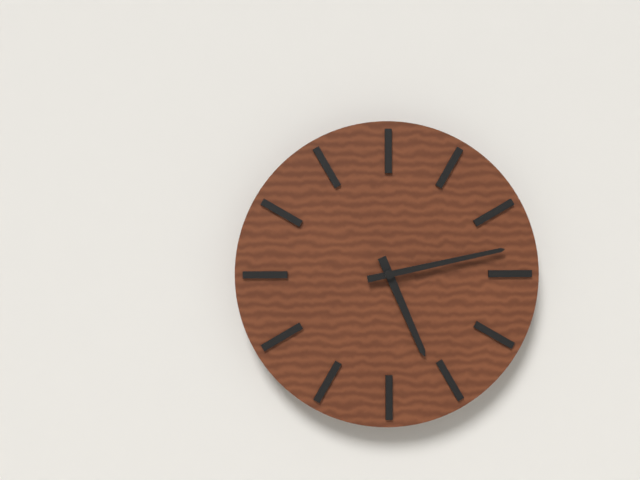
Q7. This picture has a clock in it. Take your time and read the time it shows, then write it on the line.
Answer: 5:13
